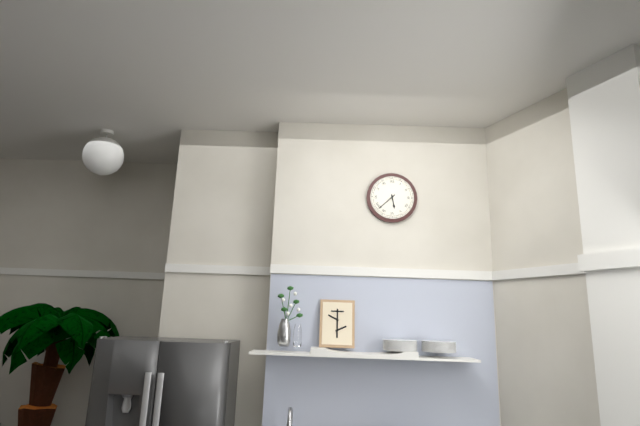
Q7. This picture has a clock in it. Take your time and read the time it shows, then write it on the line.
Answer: 5:38
